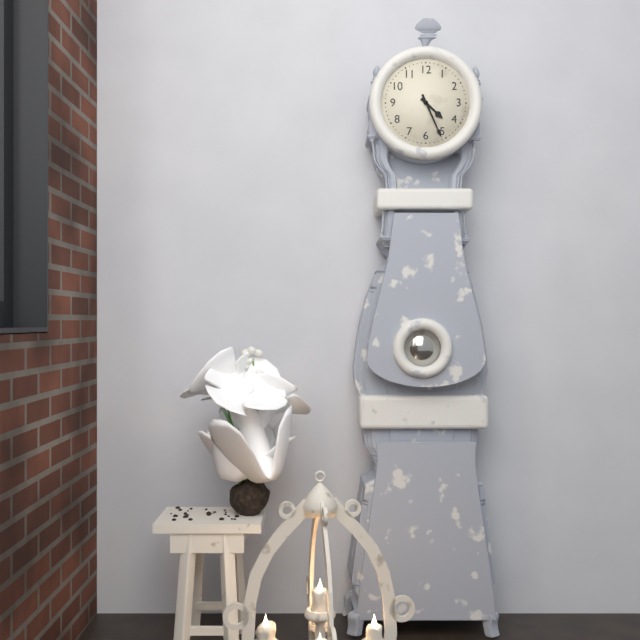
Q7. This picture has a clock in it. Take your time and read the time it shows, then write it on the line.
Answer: 4:26
